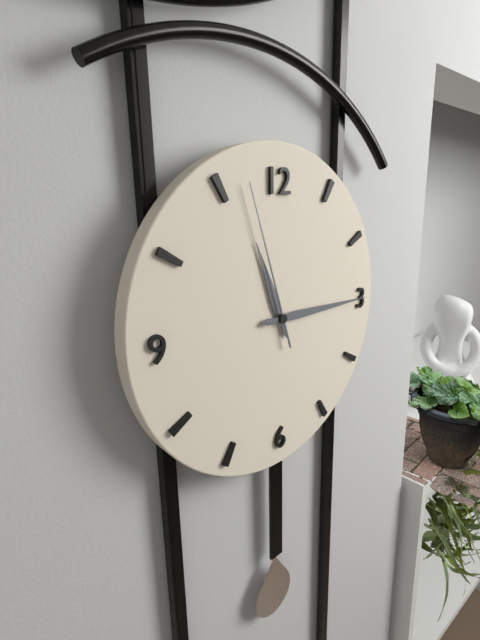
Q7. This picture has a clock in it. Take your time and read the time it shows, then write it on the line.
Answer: 11:15:57
